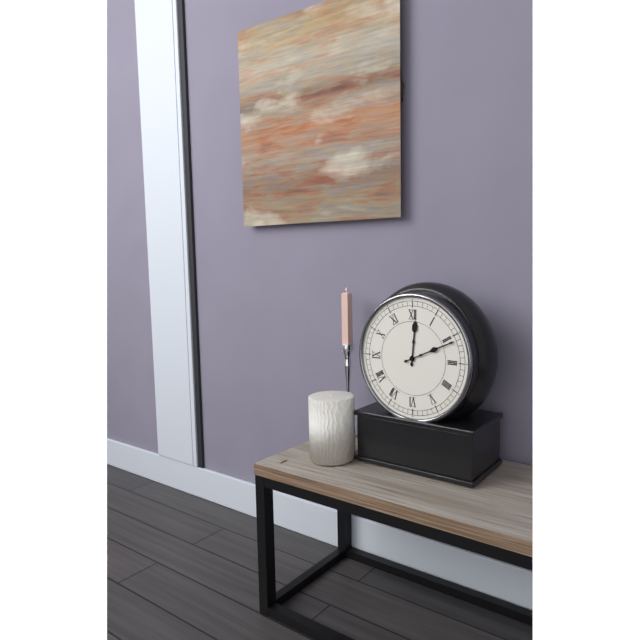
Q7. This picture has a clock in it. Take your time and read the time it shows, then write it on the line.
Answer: 12:11
